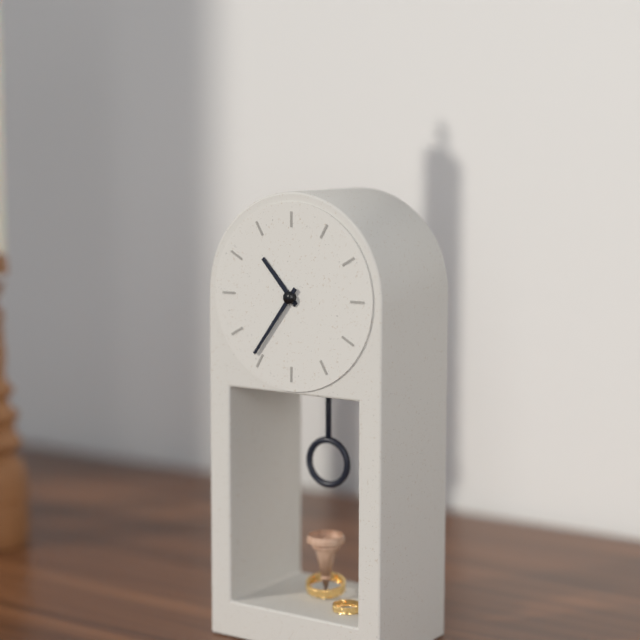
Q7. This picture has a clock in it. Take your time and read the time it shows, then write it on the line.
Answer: 10:36
